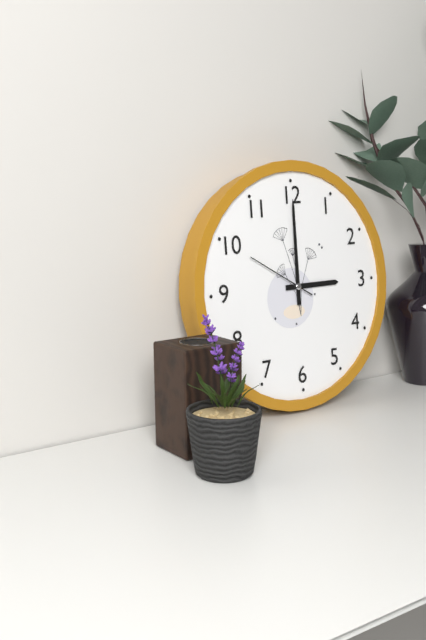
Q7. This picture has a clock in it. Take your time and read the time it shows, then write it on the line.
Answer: 3:00:50
